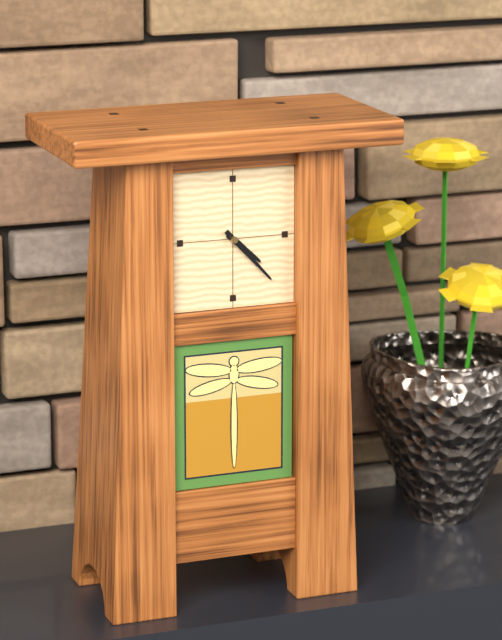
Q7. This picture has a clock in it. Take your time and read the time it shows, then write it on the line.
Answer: 4:23
